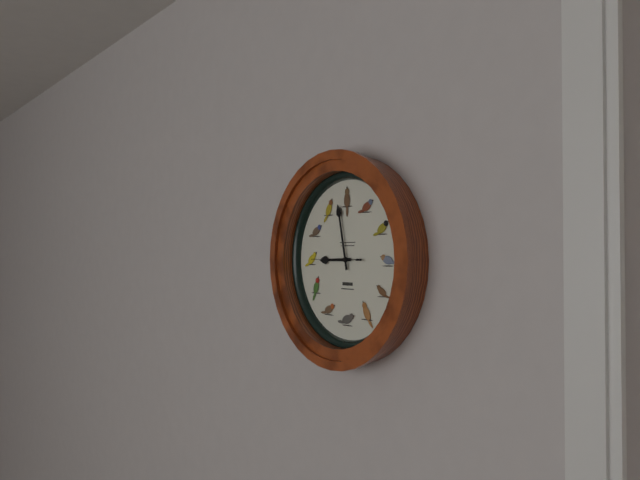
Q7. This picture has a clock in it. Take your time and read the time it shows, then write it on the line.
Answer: 8:58:45
